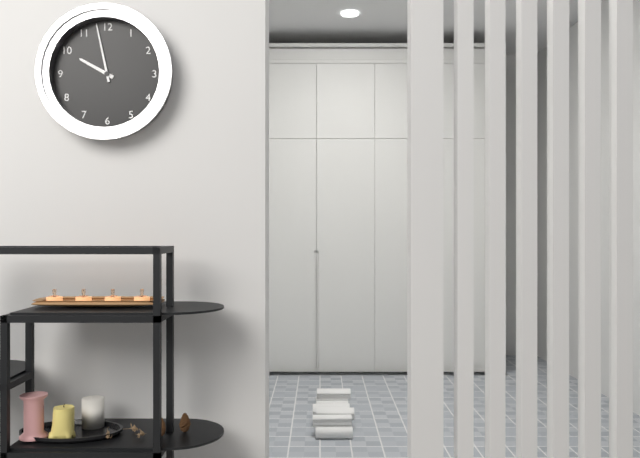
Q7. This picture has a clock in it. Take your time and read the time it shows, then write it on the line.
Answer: 9:58
